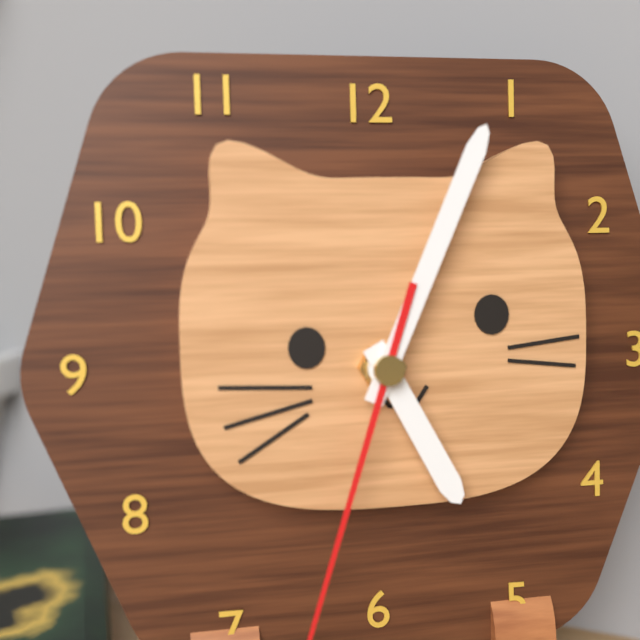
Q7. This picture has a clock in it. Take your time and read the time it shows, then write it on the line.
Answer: 5:04
